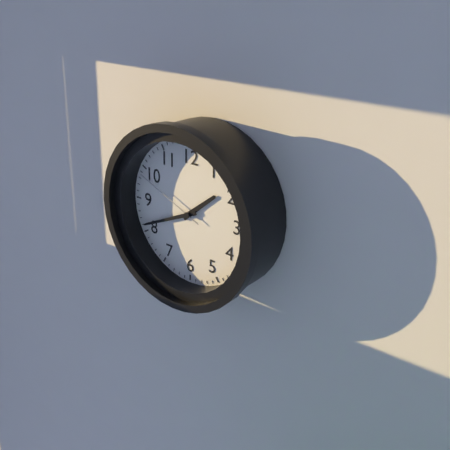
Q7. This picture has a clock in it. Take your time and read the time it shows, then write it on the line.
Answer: 1:41:49
